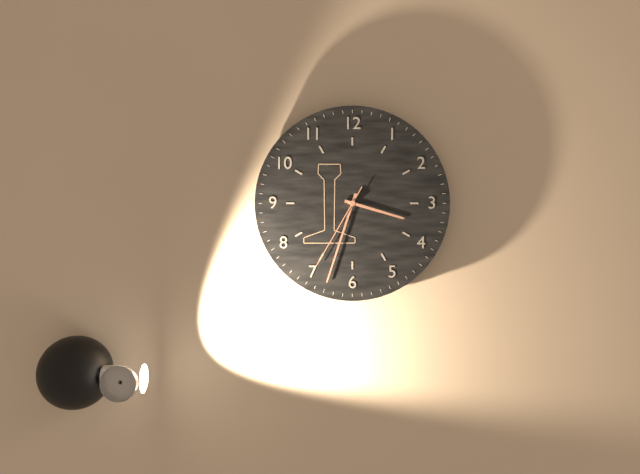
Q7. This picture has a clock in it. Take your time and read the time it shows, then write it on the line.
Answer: 3:33:35
